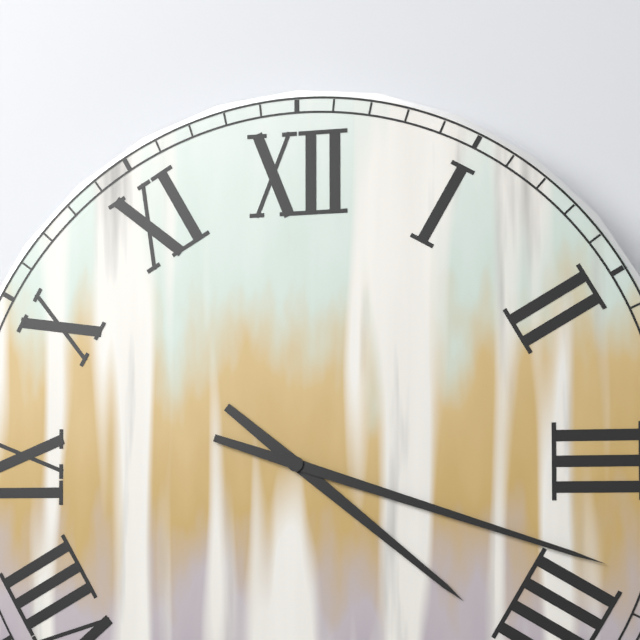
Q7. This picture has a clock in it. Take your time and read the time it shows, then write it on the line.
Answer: 4:18
